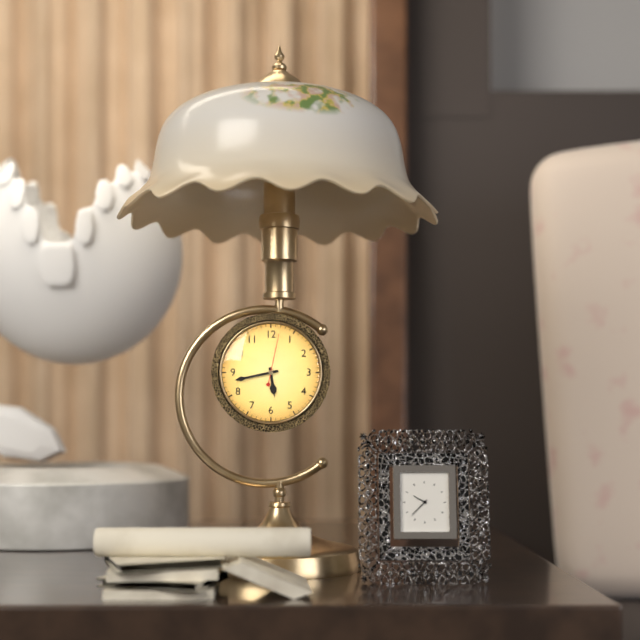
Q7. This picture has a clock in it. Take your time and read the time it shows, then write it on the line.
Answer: 5:43
